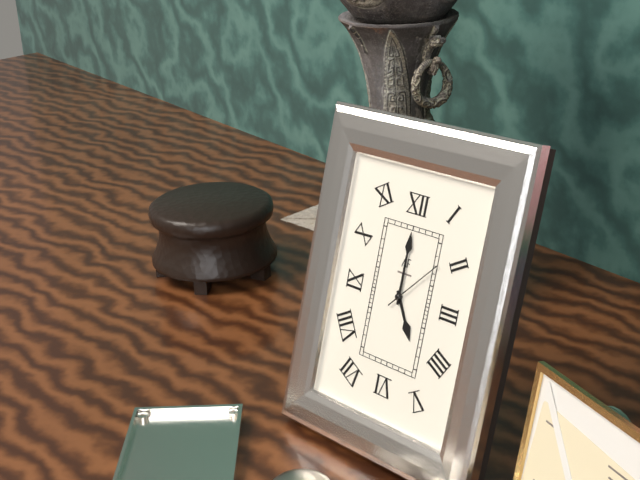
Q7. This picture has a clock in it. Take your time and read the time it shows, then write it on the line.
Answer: 5:00:07
